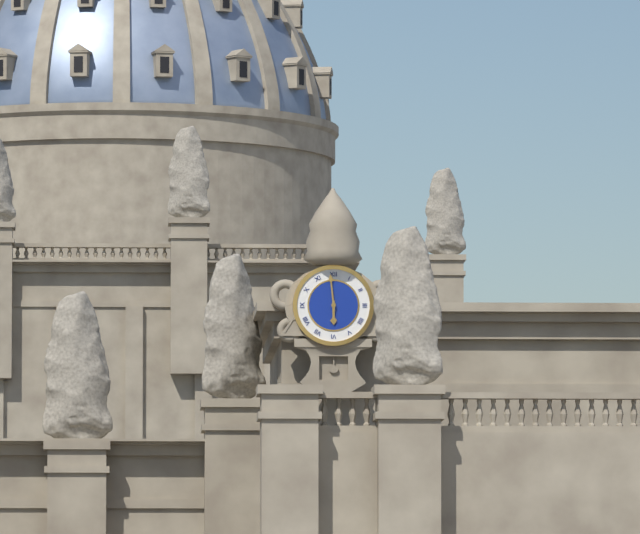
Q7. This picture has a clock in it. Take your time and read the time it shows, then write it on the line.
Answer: 5:59
